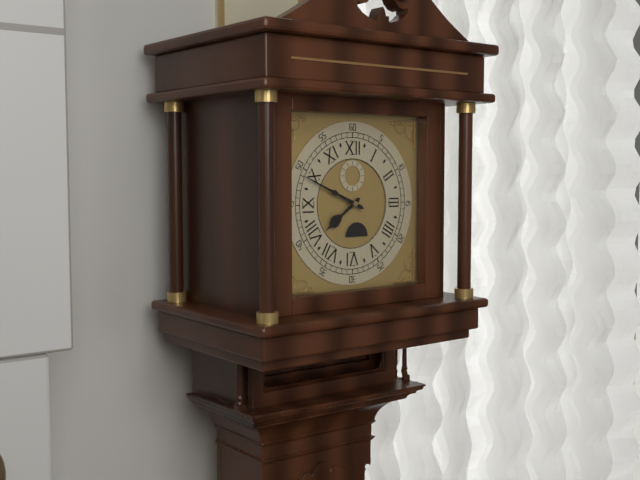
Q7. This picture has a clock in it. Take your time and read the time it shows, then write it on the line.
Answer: 7:49
